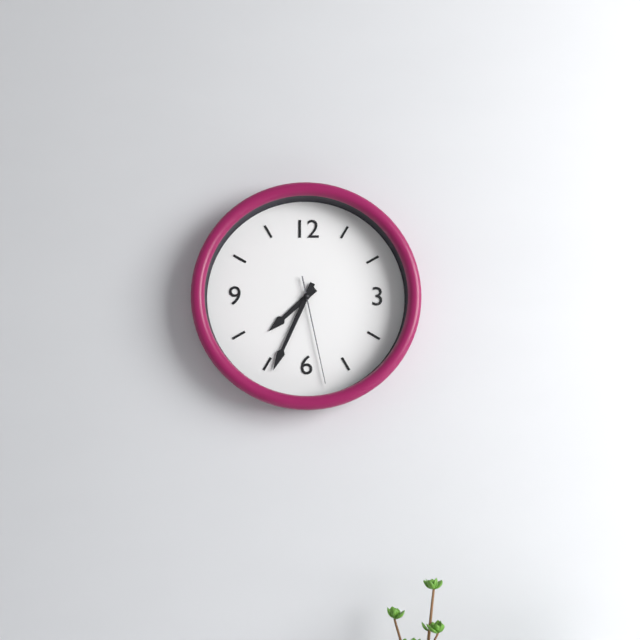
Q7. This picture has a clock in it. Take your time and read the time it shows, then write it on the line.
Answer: 7:34:28
